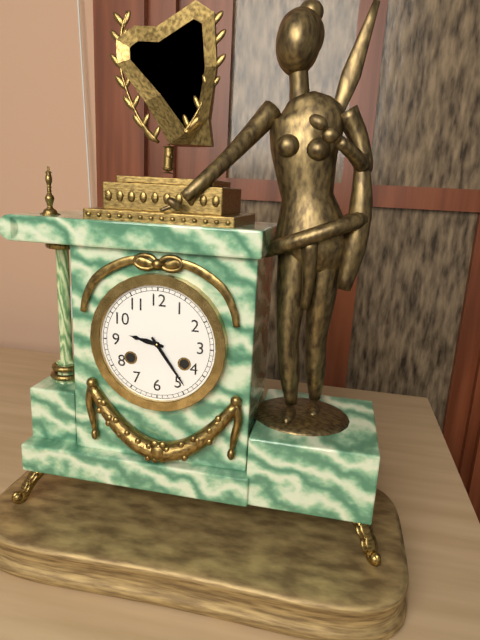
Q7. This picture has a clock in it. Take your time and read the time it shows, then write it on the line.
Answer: 9:24
